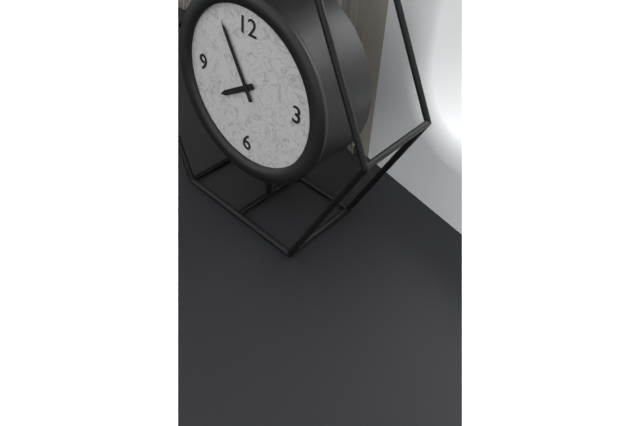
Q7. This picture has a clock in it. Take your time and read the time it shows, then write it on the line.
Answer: 7:55
